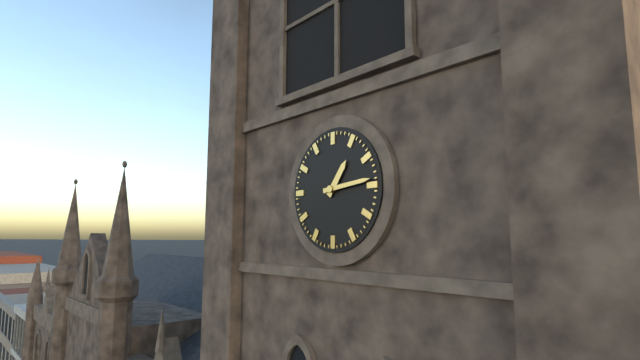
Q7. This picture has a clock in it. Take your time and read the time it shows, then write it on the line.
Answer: 1:14
